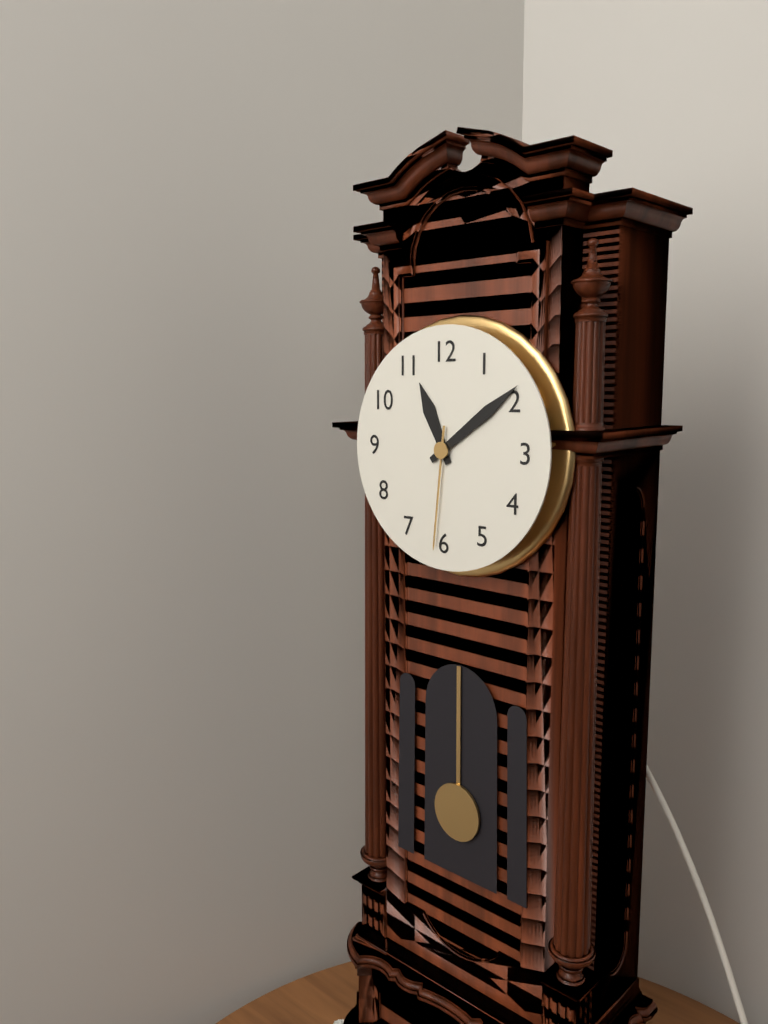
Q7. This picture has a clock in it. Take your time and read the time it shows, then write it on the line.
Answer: 11:09:31
